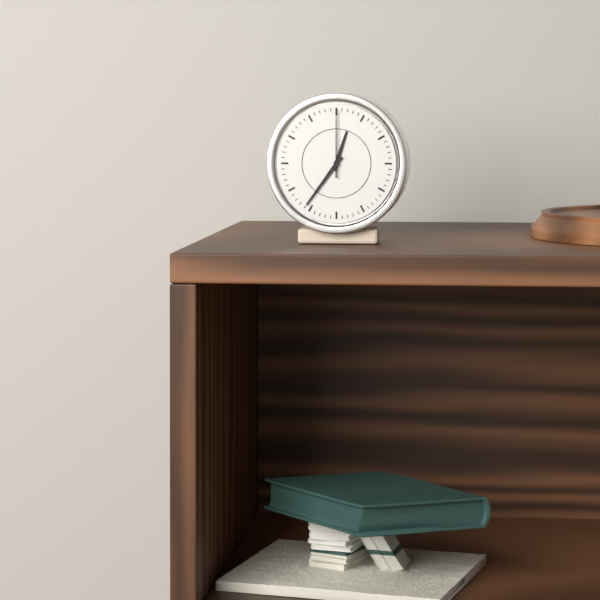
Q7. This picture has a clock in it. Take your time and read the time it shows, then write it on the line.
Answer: 12:36:00
